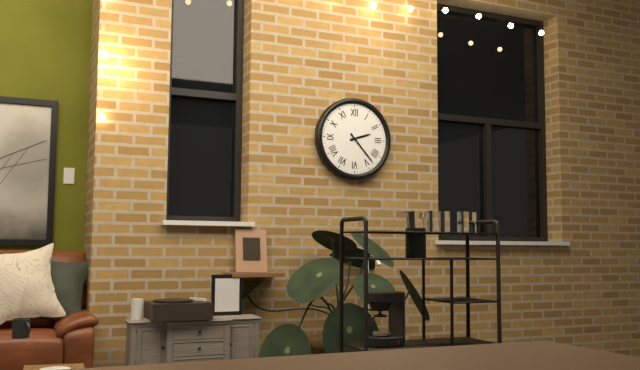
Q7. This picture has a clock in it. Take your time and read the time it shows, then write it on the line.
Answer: 2:23
